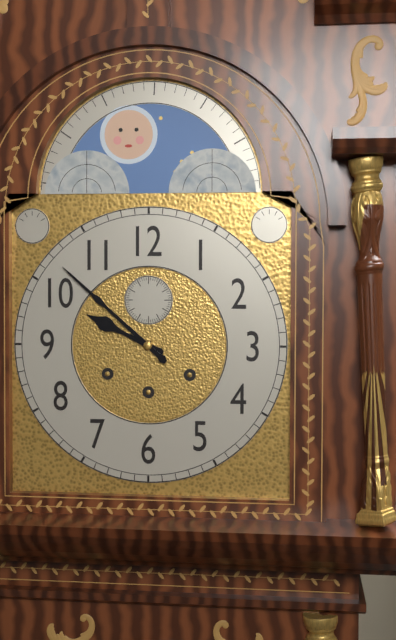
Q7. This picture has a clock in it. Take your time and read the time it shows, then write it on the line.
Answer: 9:52
